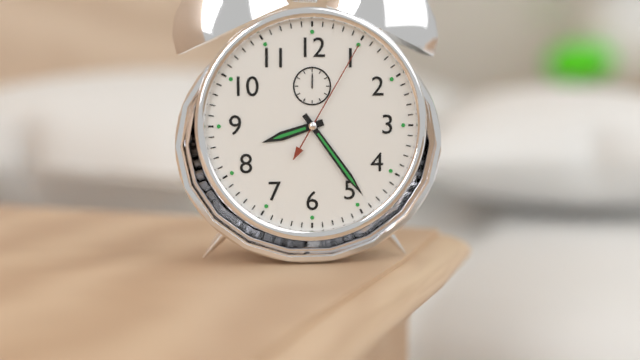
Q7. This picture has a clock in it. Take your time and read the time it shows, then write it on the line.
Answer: 8:24:05
